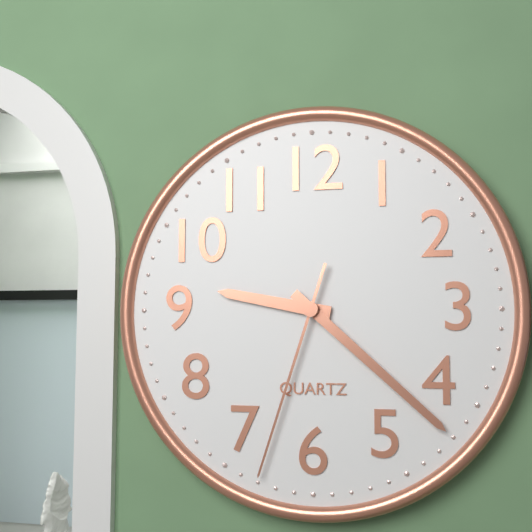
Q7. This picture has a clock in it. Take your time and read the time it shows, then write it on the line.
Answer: 9:22:33
